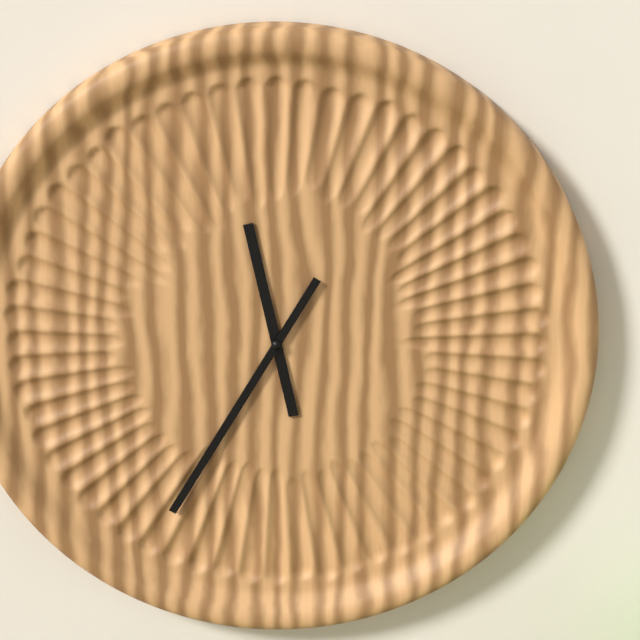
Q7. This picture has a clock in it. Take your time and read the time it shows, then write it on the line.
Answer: 11:35
